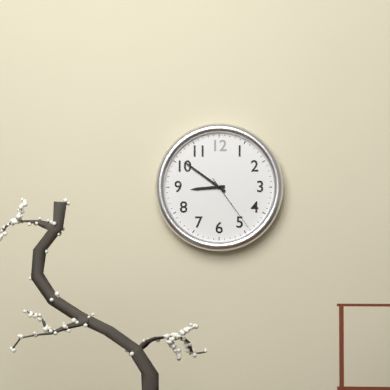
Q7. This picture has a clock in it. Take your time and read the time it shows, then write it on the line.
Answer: 8:51:24
